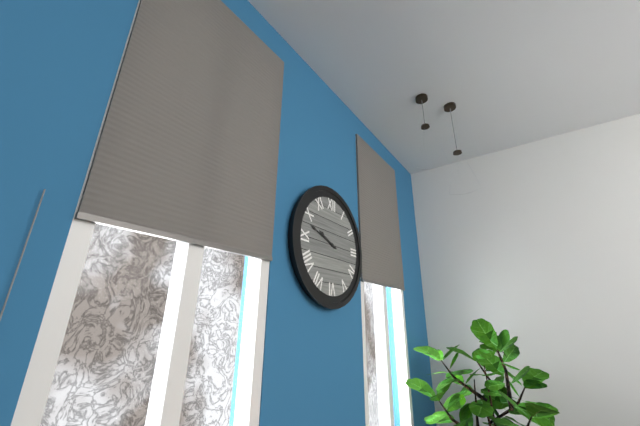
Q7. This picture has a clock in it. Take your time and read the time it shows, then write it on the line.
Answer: 9:48
